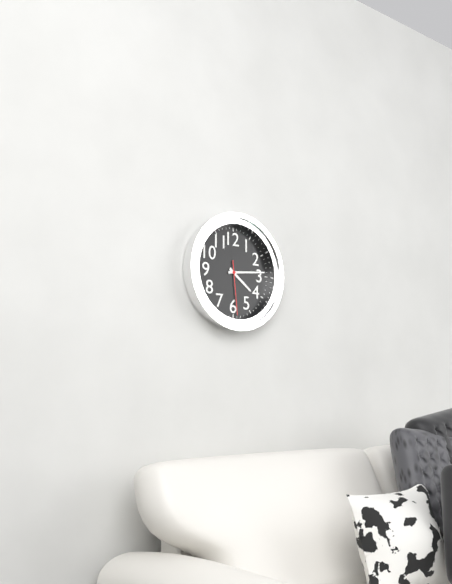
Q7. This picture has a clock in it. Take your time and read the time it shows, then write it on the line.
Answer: 4:14:29
